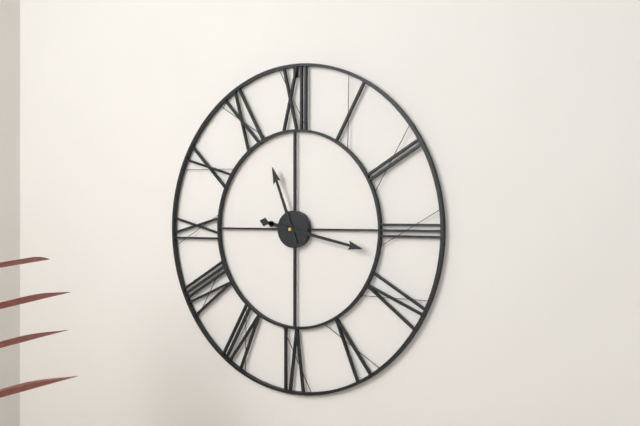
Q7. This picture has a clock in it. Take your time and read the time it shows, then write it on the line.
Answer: 11:17
